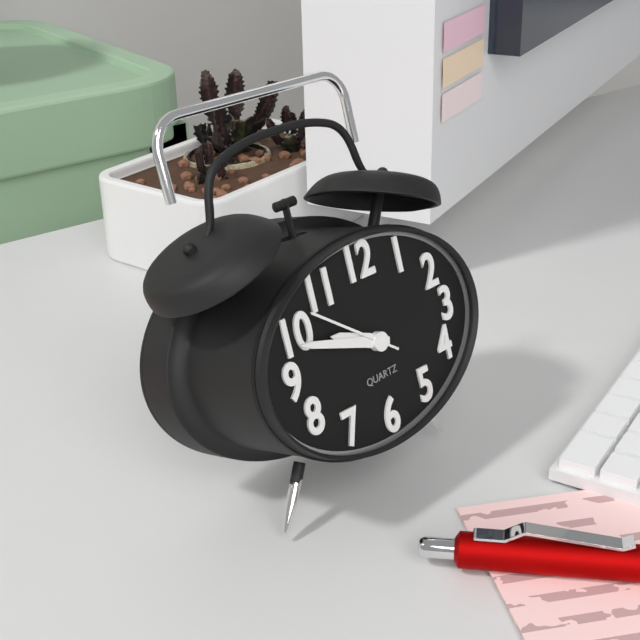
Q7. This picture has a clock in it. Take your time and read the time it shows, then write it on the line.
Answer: 9:48:51
